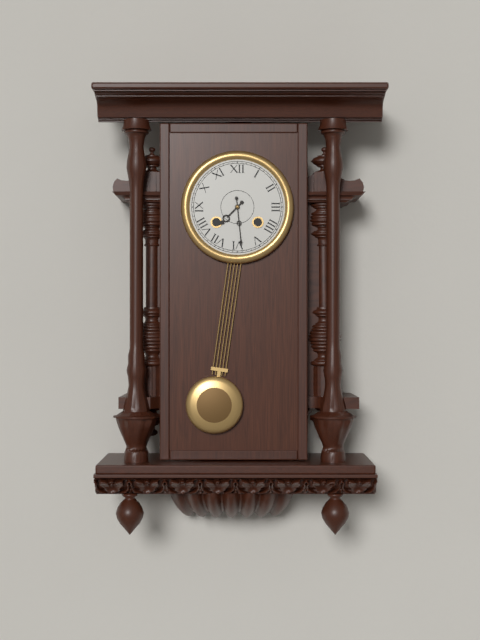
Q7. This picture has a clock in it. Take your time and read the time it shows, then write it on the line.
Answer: 7:29
